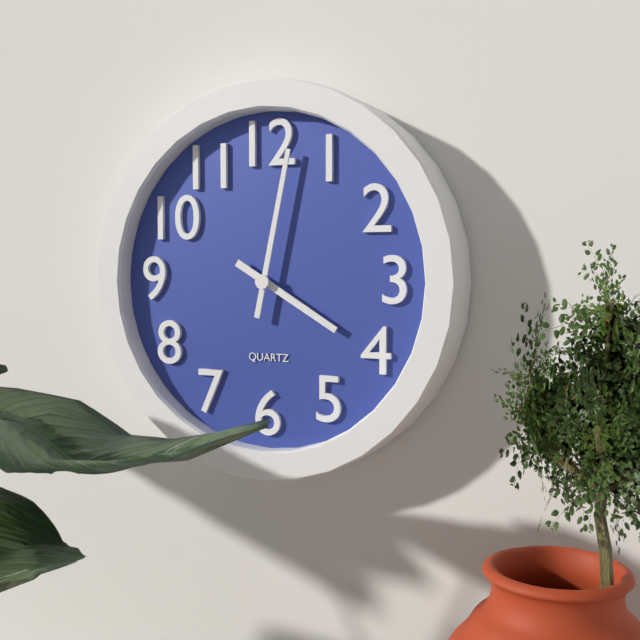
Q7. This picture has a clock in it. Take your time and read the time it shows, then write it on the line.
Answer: 4:02
